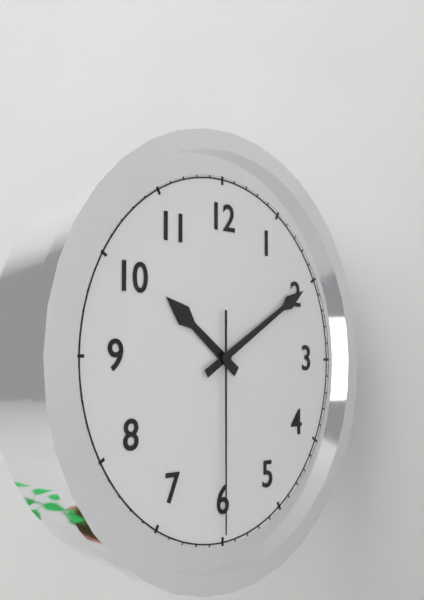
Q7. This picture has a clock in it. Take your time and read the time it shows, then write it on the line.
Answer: 10:10:30
